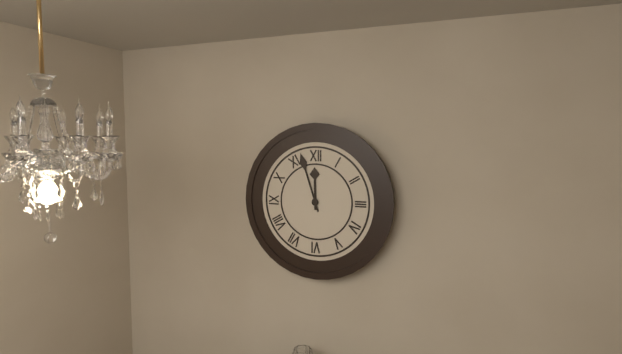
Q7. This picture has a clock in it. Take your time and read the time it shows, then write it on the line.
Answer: 11:57
